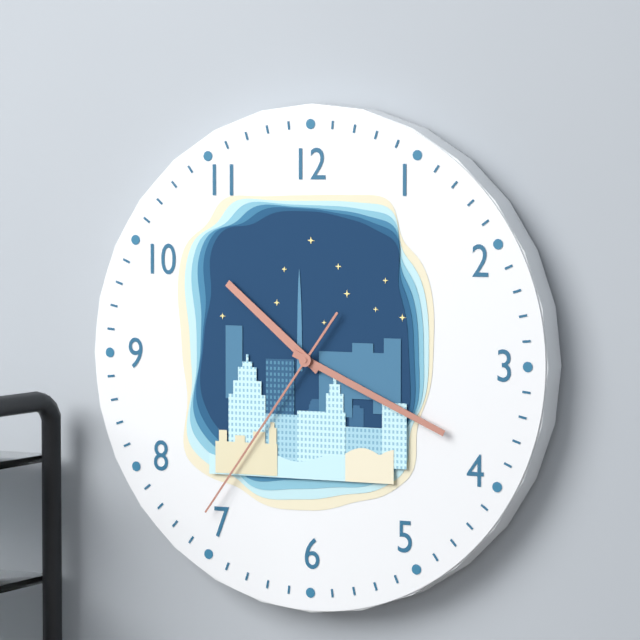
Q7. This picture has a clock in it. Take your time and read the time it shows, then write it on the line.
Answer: 10:19:36
